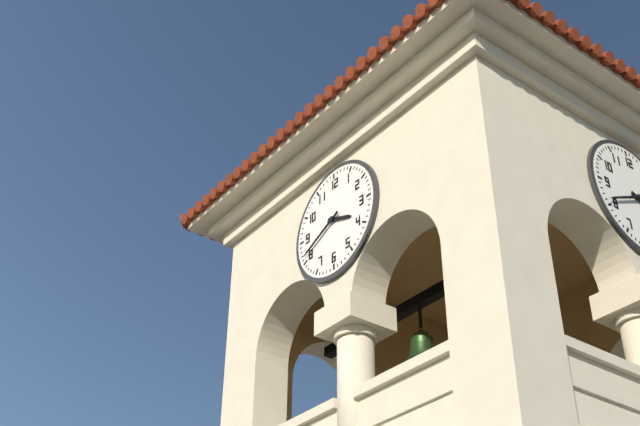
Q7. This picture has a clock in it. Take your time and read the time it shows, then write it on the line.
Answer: 3:41
